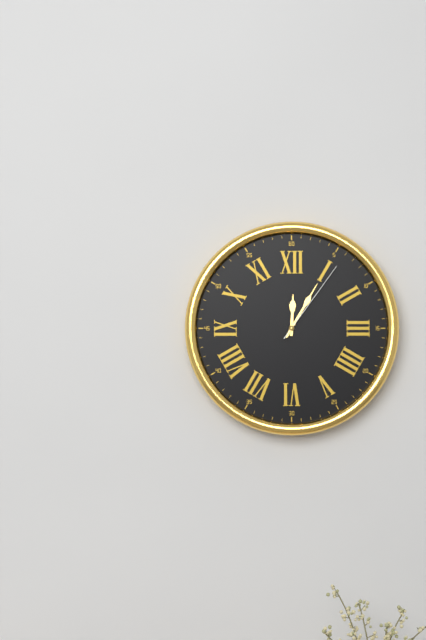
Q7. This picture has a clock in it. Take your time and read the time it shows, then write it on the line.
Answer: 12:05:06
